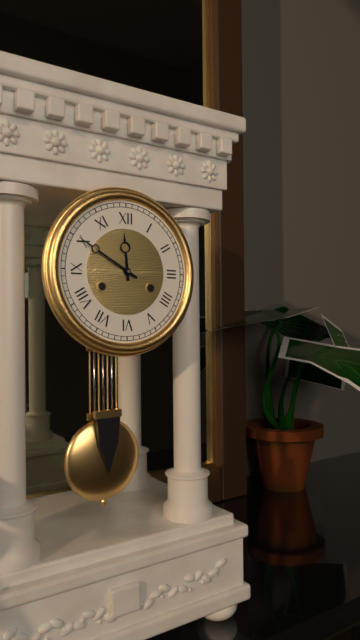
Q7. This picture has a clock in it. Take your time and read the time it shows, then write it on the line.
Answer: 11:50
